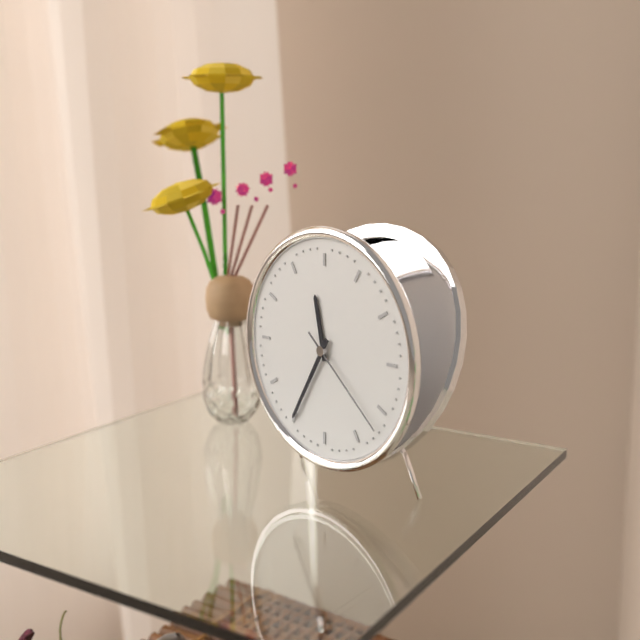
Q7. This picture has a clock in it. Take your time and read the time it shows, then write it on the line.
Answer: 11:35:22
